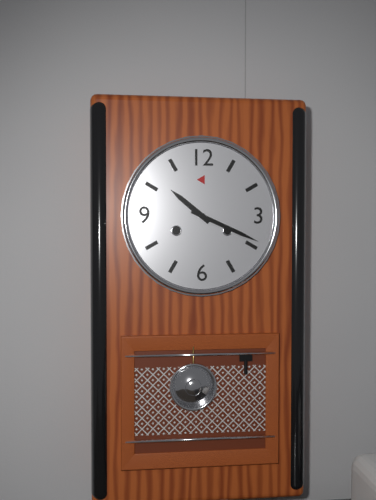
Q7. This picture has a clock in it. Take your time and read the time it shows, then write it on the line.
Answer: 10:19
